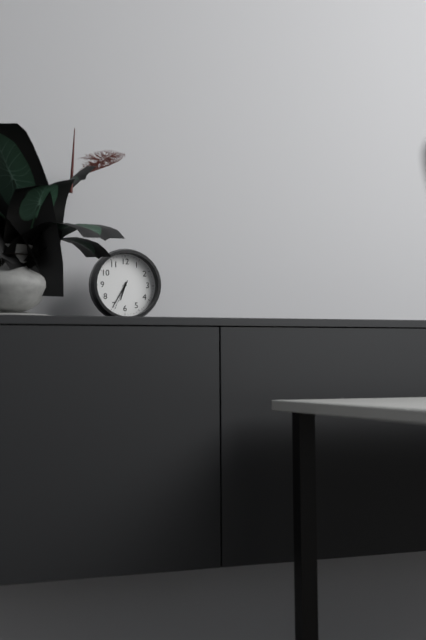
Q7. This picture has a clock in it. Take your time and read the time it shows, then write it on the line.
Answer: 6:35
